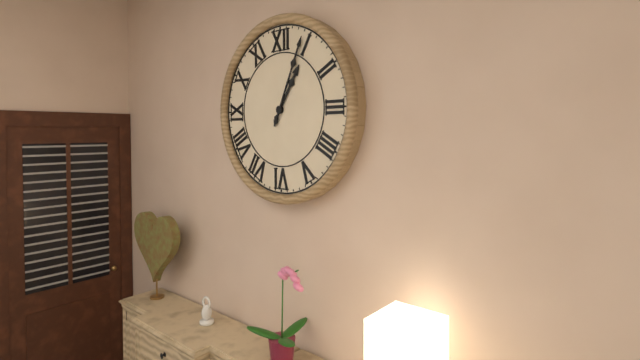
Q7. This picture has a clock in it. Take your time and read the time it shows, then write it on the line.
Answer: 1:04
